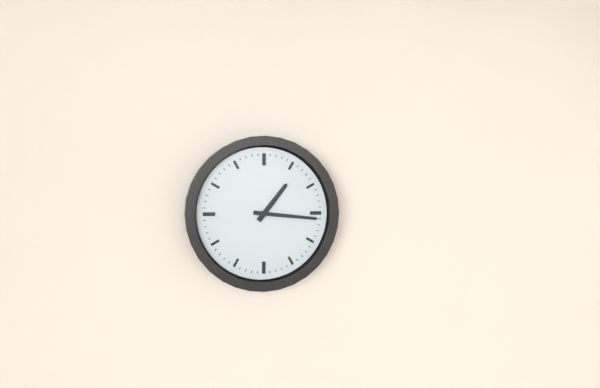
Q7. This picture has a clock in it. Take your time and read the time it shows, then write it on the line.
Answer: 1:16
